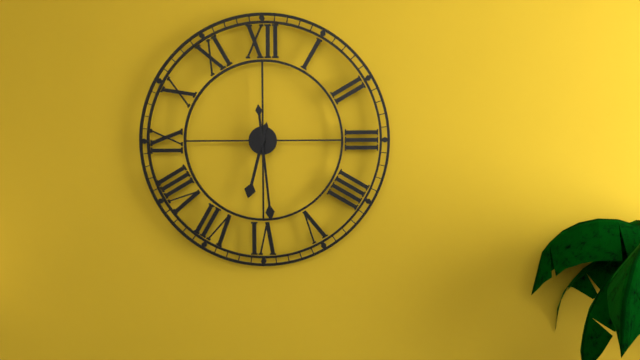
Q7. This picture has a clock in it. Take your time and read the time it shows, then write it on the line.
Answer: 6:29
